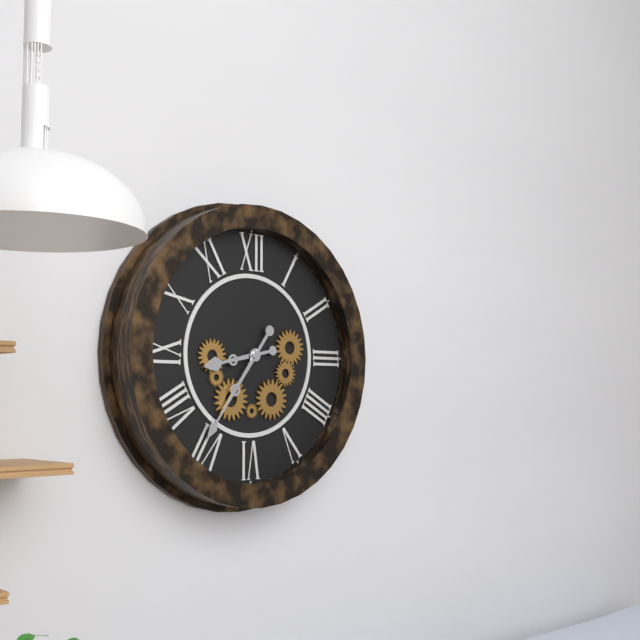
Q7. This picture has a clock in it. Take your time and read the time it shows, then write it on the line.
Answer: 8:36
